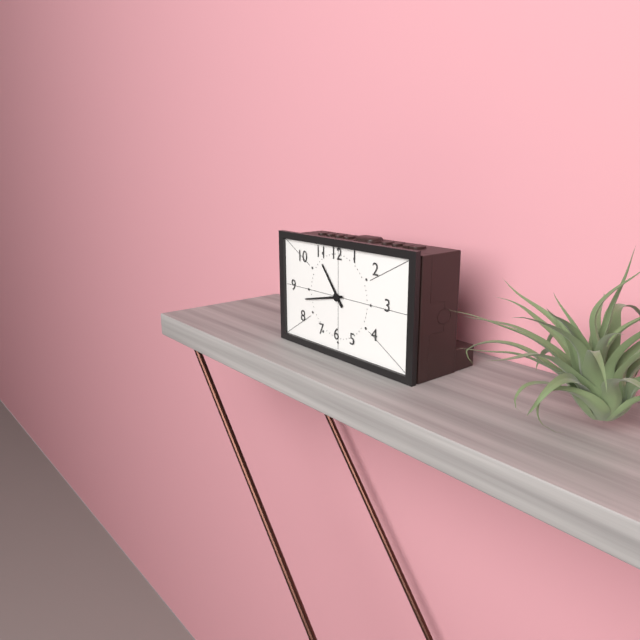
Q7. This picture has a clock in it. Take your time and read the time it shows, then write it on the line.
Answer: 10:43
